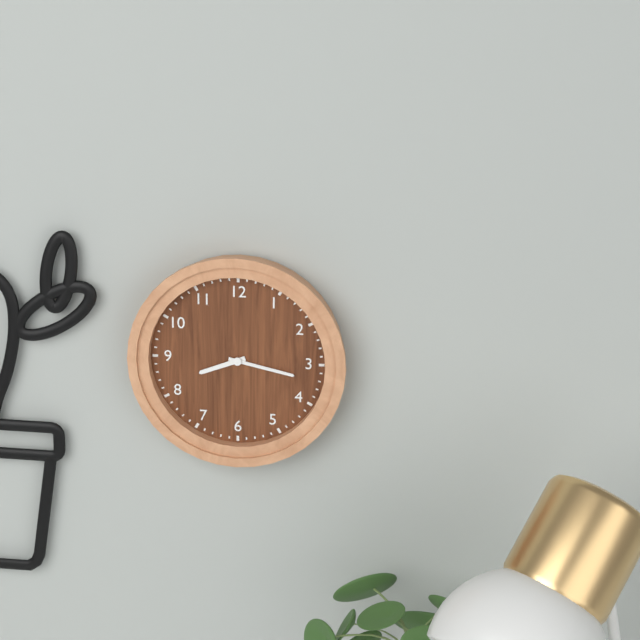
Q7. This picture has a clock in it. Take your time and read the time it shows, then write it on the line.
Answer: 8:17
